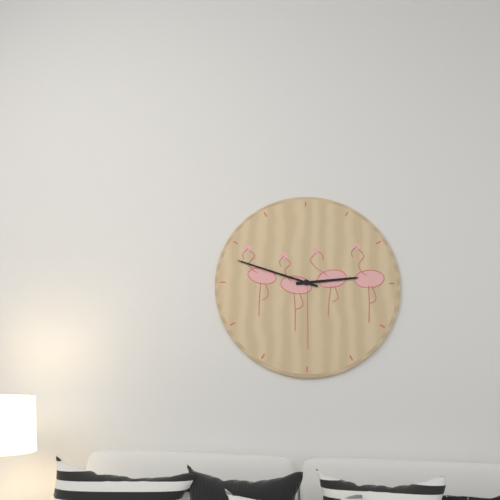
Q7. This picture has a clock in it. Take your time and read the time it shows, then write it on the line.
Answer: 2:48
